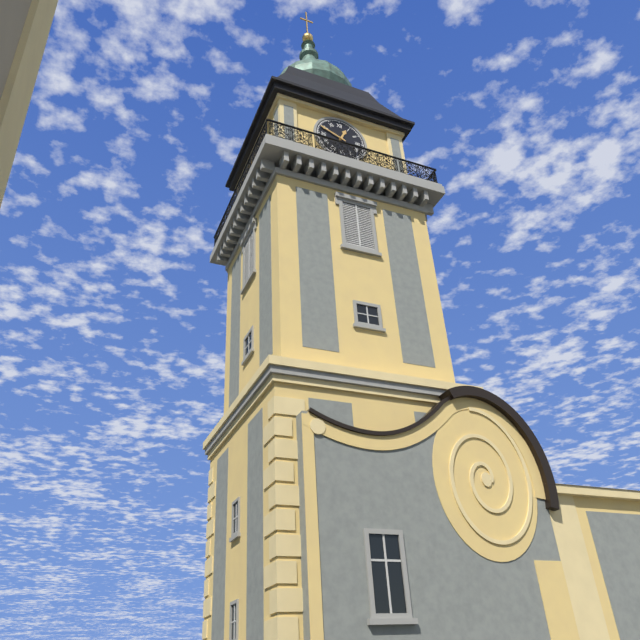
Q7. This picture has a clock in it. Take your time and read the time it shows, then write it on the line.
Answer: 12:49
